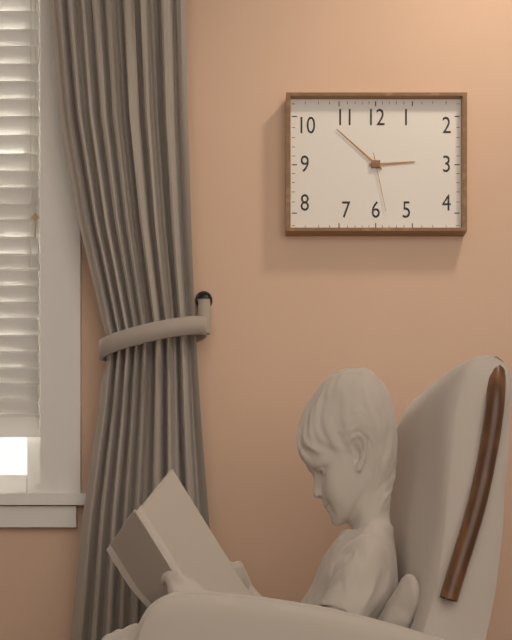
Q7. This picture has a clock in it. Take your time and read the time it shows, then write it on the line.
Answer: 2:52:28
